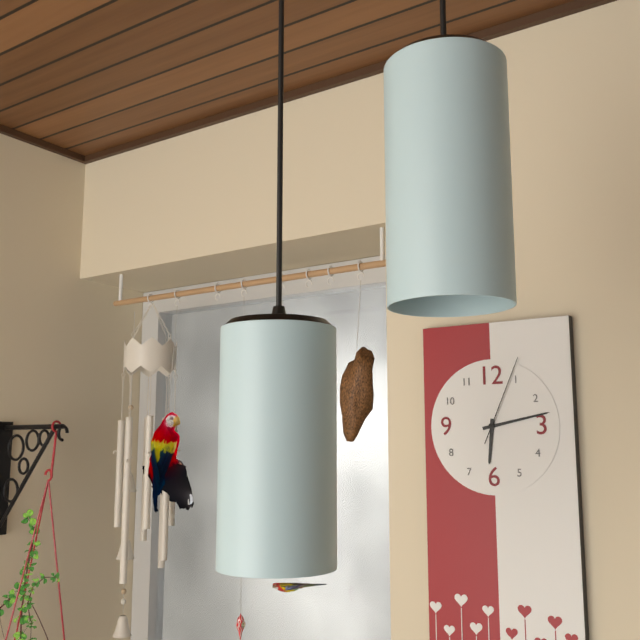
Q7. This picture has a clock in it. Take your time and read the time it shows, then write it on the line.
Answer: 6:13:04
